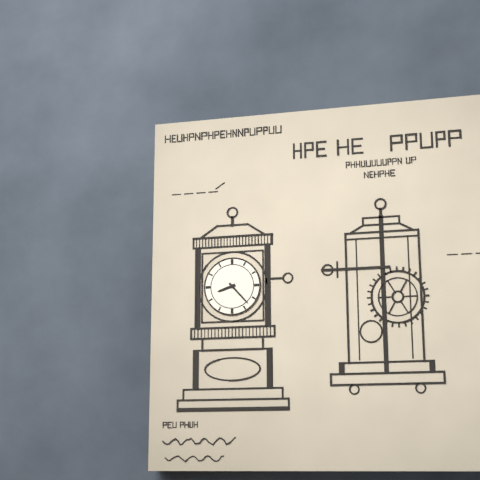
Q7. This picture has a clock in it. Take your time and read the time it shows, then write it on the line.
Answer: 8:23
